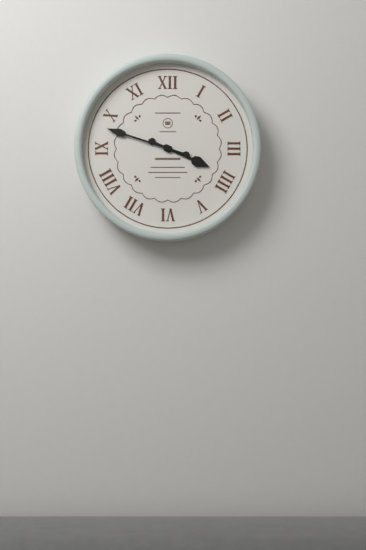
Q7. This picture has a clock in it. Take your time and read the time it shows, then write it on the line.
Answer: 3:48
